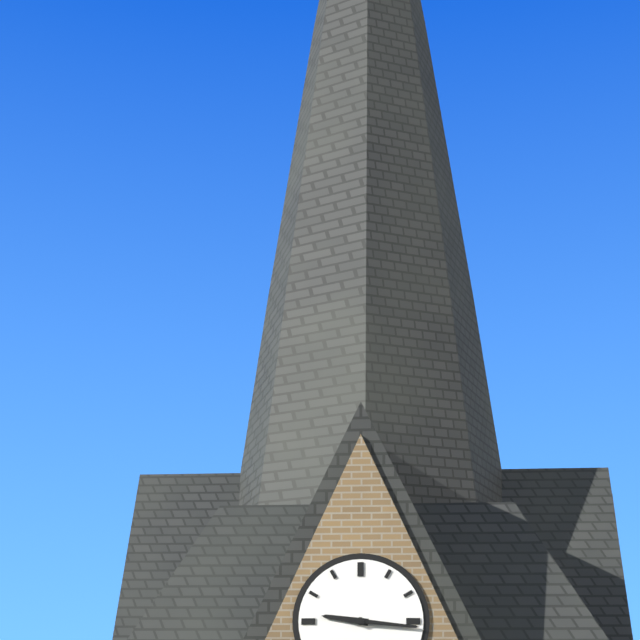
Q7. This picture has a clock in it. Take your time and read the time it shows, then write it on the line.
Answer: 9:16
